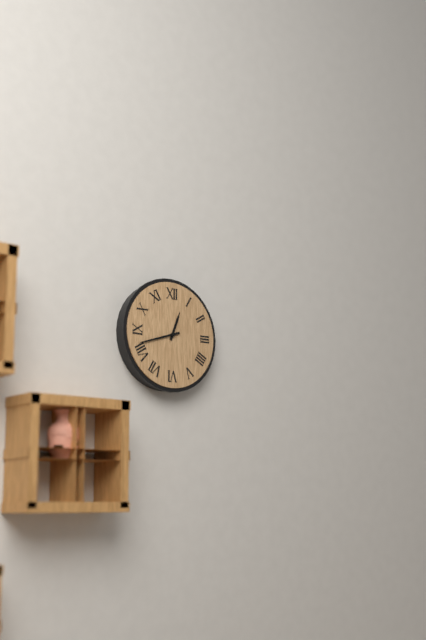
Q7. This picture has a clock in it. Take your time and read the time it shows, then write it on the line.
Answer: 12:42
